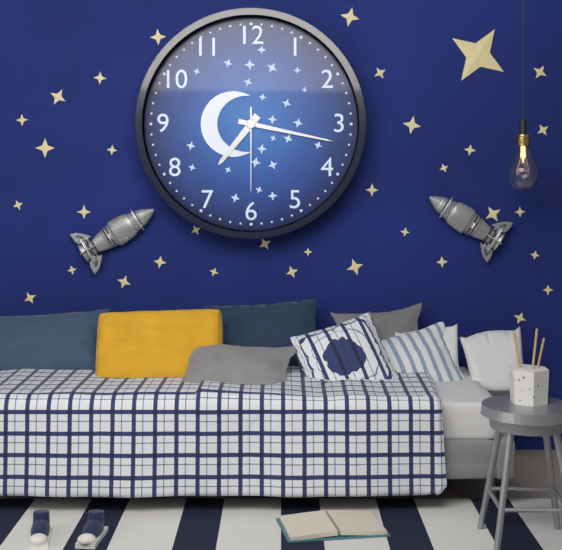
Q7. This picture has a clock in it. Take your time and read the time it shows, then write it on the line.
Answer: 7:17:30
